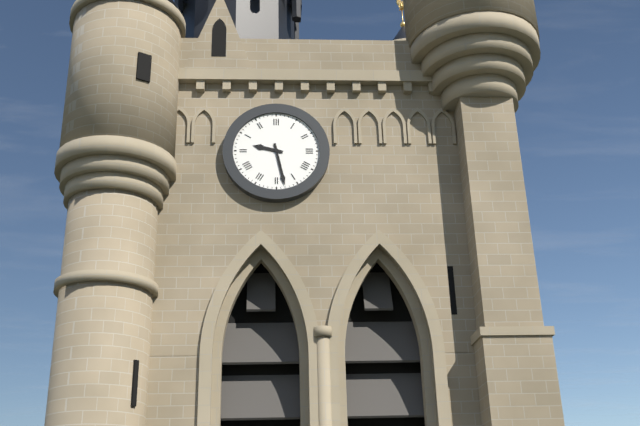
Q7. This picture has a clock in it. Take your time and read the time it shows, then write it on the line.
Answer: 9:28
